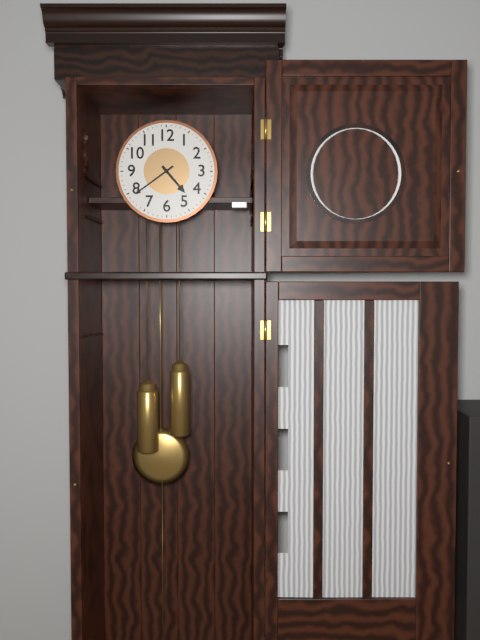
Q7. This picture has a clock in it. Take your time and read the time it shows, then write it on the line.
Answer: 4:39
